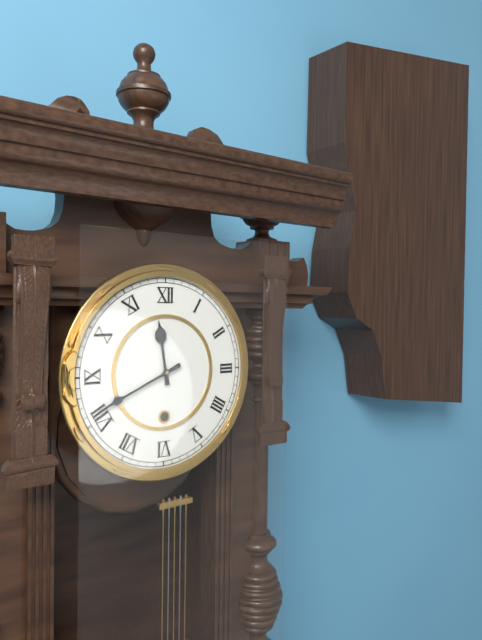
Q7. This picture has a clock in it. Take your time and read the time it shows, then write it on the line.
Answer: 11:41
